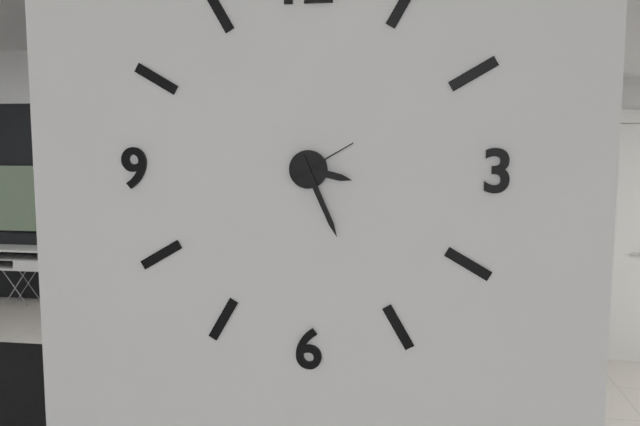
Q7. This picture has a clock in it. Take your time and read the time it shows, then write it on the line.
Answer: 3:26:10
